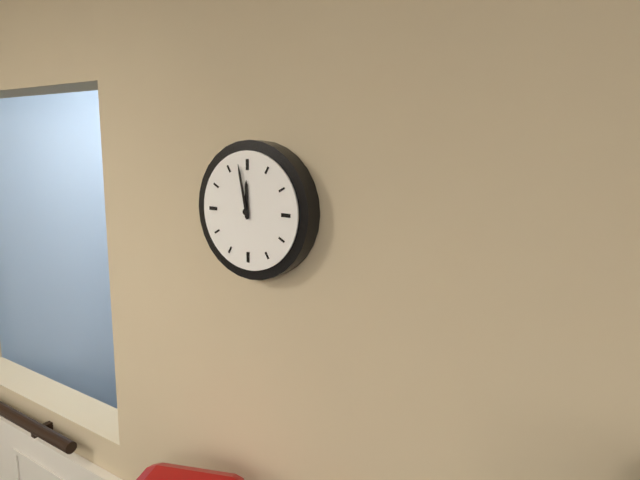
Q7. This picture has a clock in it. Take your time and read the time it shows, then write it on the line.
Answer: 11:58
